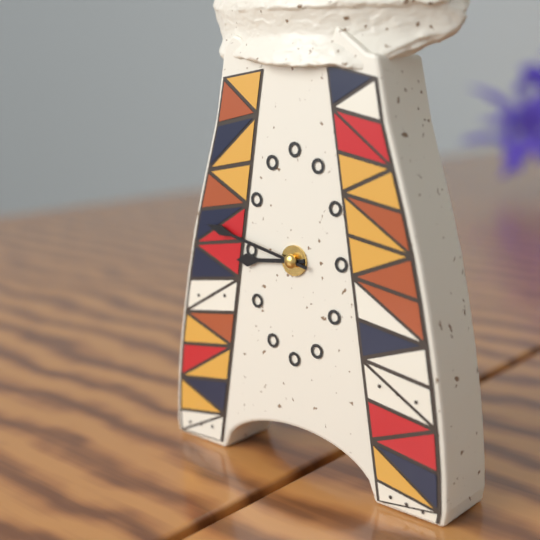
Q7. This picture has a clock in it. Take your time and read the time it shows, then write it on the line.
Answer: 8:47
